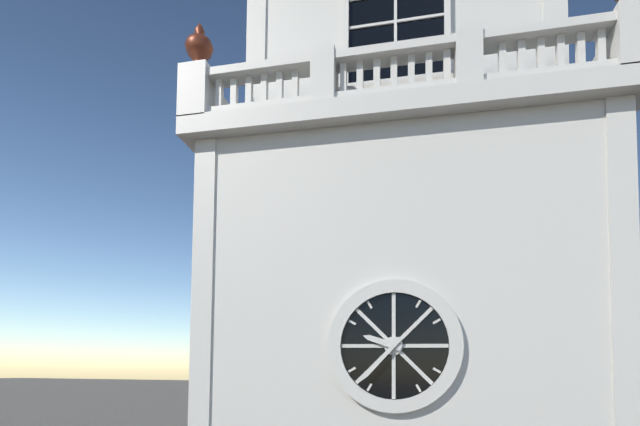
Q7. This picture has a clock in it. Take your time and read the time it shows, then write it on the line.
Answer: 9:37
